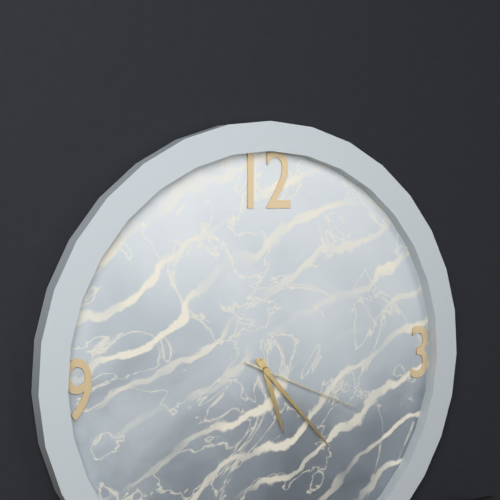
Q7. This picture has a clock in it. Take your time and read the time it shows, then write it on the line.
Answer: 5:23:19
